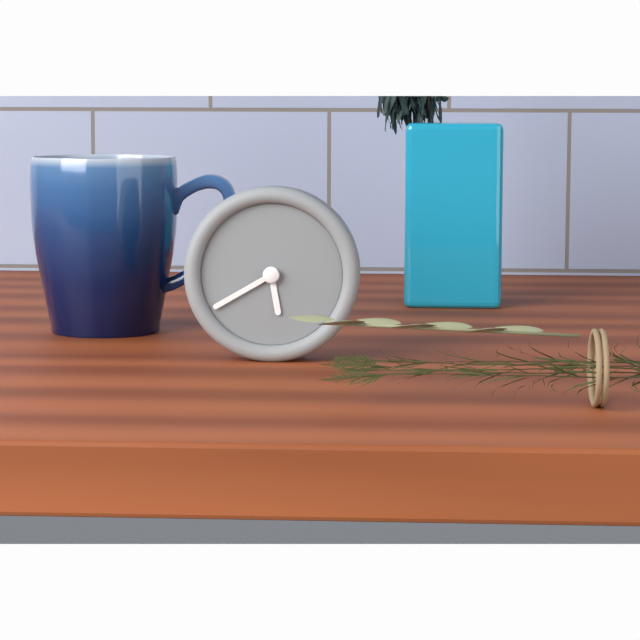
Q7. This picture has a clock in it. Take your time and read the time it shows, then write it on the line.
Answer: 5:40
